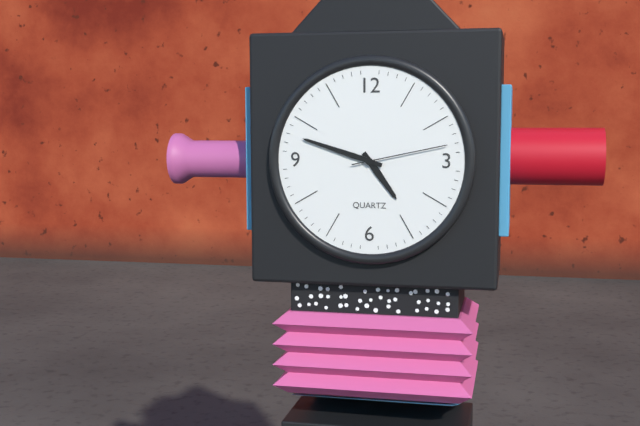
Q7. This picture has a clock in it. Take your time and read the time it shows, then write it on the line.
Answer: 4:48:13
